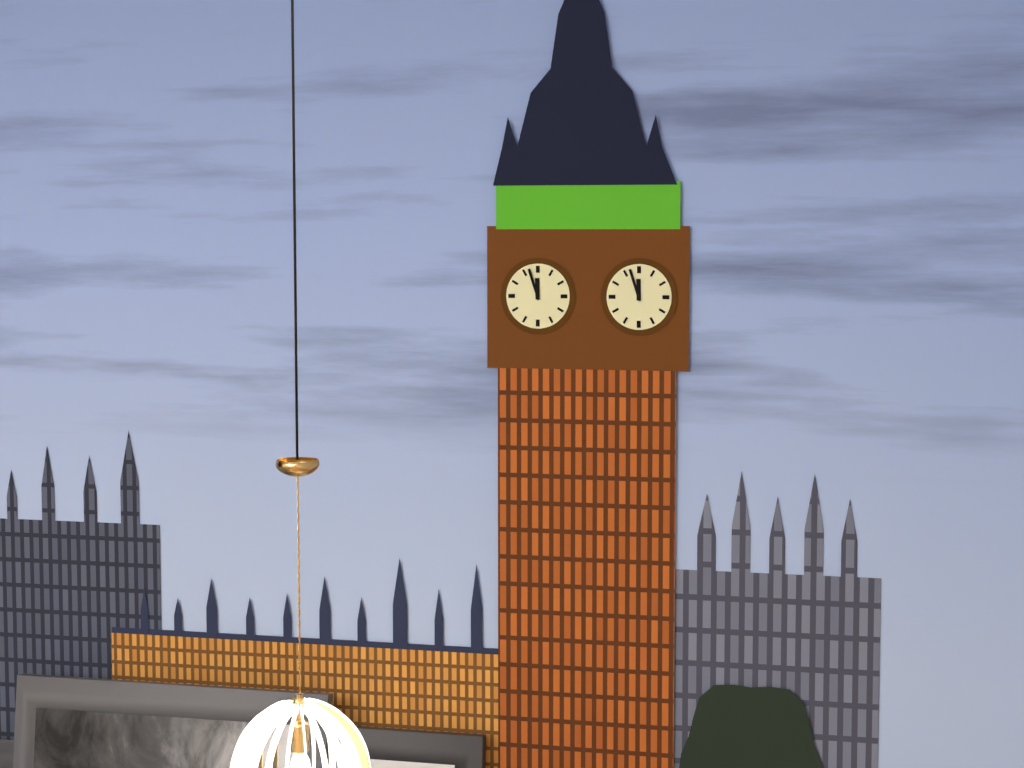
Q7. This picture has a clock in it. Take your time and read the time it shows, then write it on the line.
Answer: 11:57
